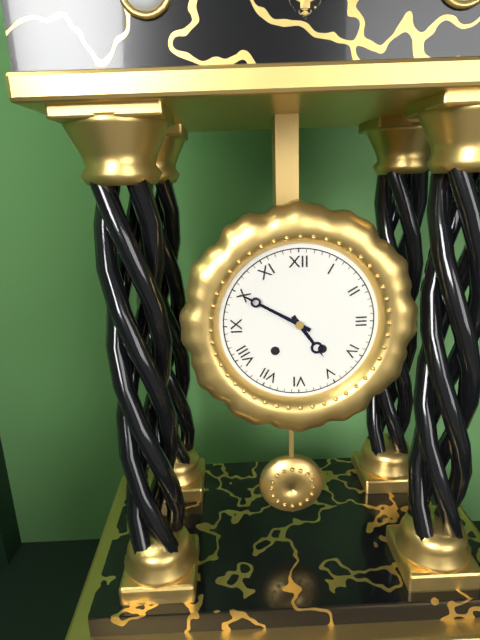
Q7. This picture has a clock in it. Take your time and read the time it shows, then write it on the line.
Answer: 4:50
